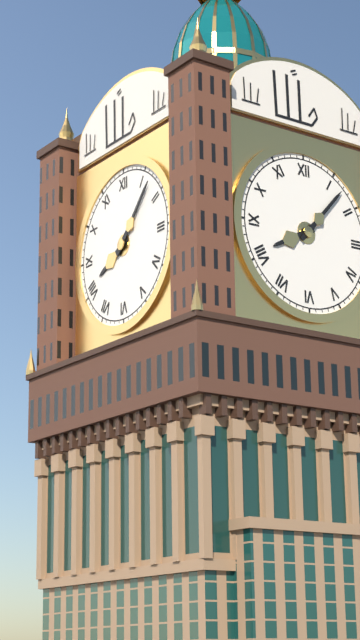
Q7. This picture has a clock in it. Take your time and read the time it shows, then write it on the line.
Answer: 8:07
